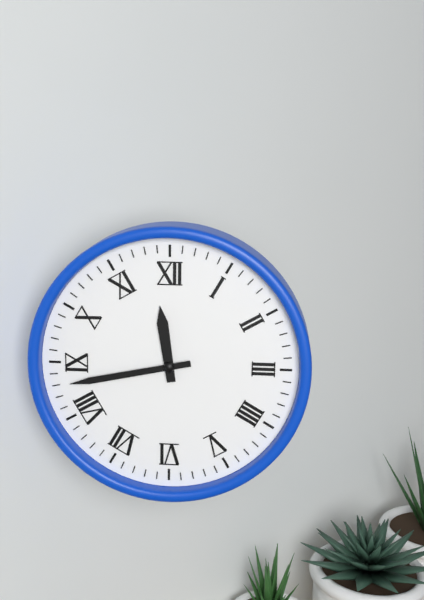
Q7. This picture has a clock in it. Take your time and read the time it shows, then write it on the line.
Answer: 11:43
